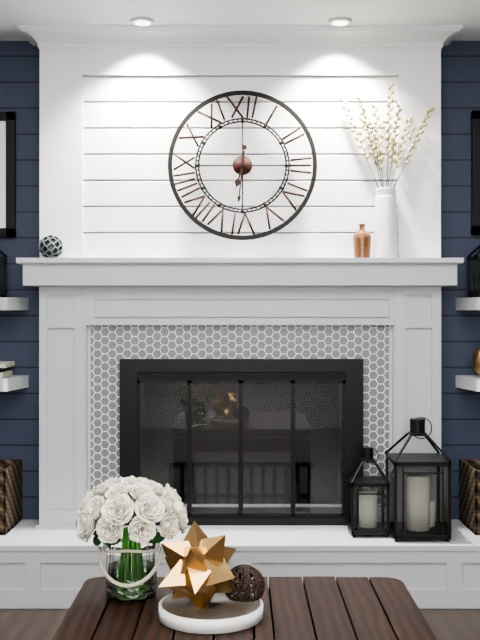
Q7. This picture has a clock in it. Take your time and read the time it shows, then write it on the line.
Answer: 6:31
